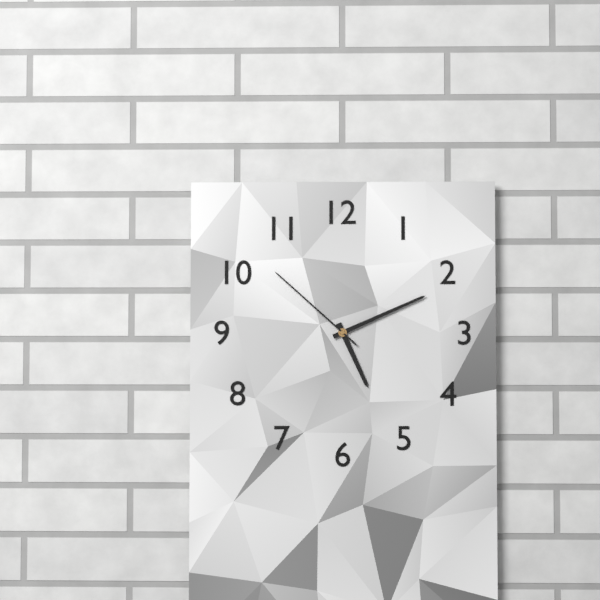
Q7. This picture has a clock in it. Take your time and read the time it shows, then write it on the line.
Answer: 5:11:52
